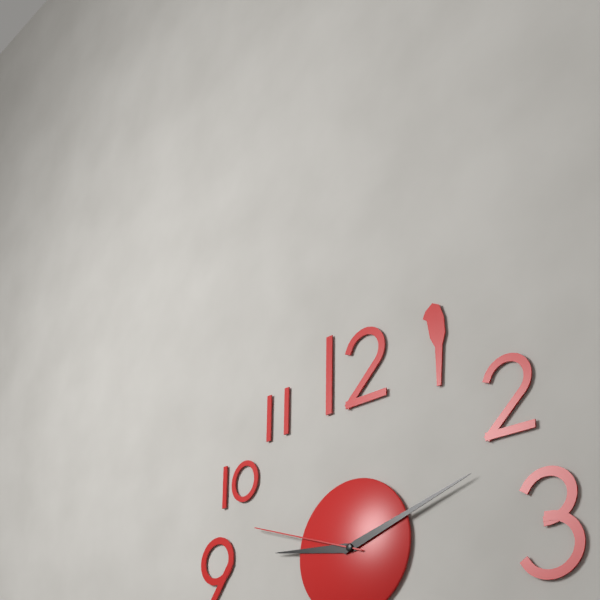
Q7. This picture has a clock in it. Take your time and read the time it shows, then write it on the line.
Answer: 9:12:48
